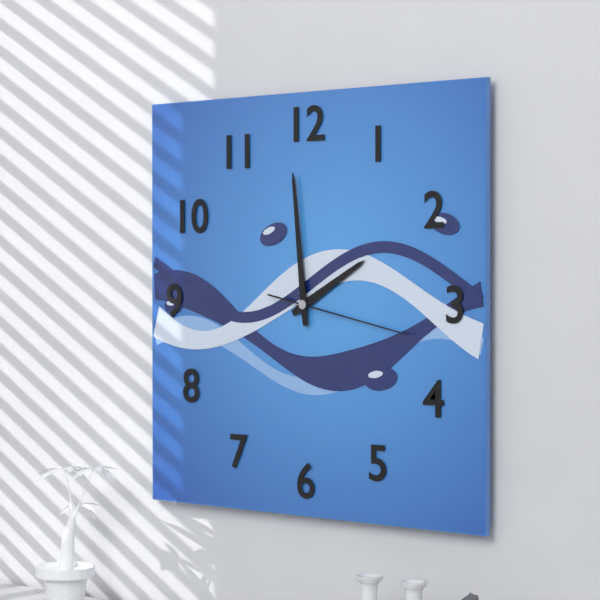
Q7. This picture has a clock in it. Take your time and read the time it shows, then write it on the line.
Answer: 1:59:17
